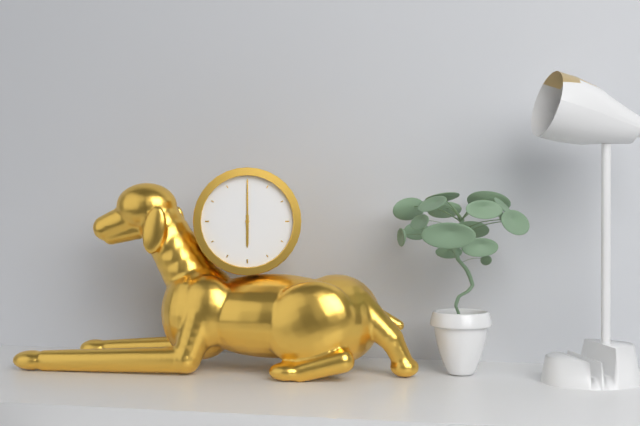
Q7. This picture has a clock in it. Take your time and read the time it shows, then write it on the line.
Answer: 6:00
